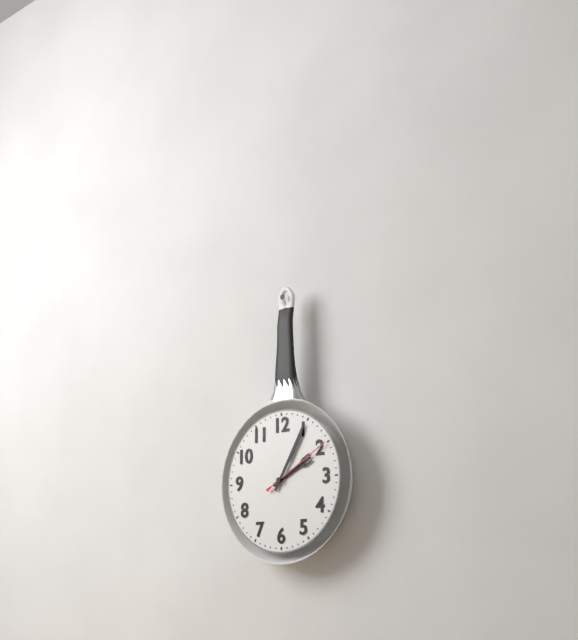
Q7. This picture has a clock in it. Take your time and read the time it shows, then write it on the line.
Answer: 2:05:10
